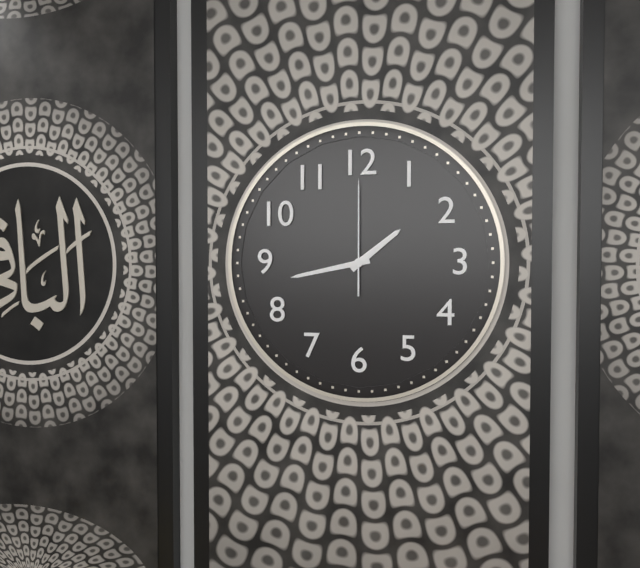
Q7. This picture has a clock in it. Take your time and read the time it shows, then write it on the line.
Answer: 1:43:00
